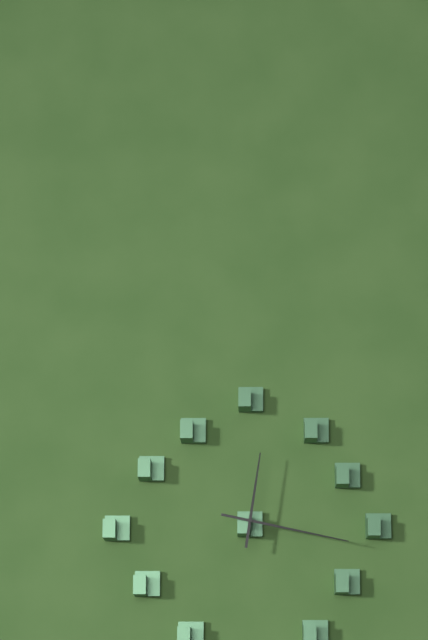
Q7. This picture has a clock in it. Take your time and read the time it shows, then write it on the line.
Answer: 12:17
